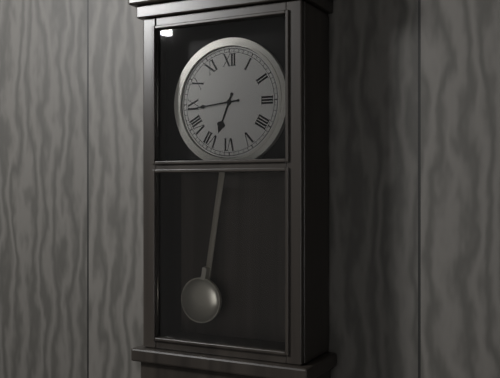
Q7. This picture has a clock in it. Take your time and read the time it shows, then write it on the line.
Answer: 6:44
